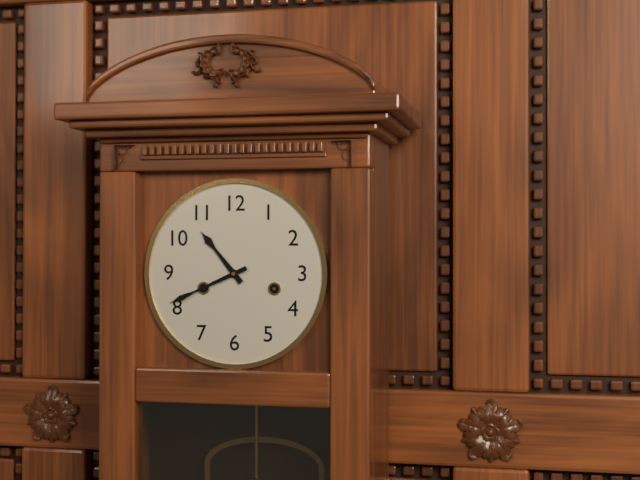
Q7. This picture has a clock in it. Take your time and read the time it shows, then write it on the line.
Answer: 10:41
